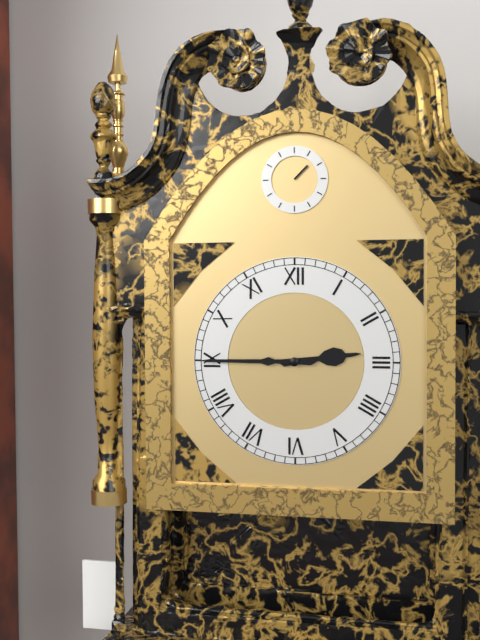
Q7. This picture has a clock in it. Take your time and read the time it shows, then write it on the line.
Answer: 2:45
